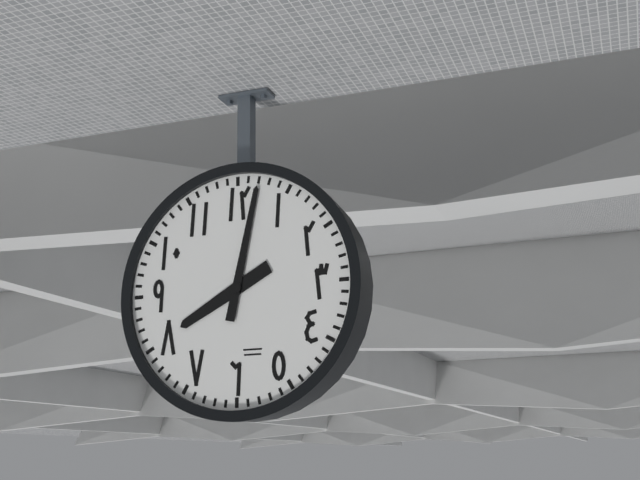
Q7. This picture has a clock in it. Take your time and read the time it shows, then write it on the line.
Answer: 8:02
